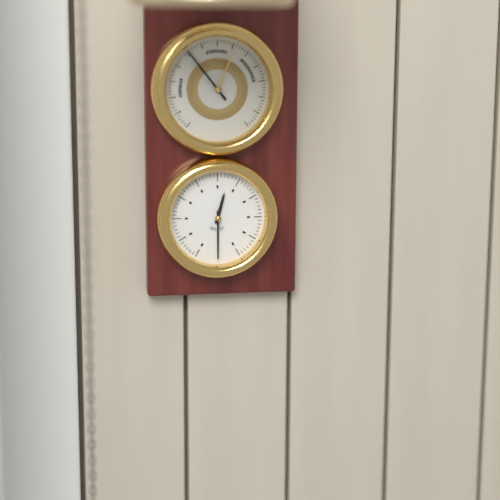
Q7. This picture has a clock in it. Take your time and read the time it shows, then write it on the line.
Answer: 12:30
